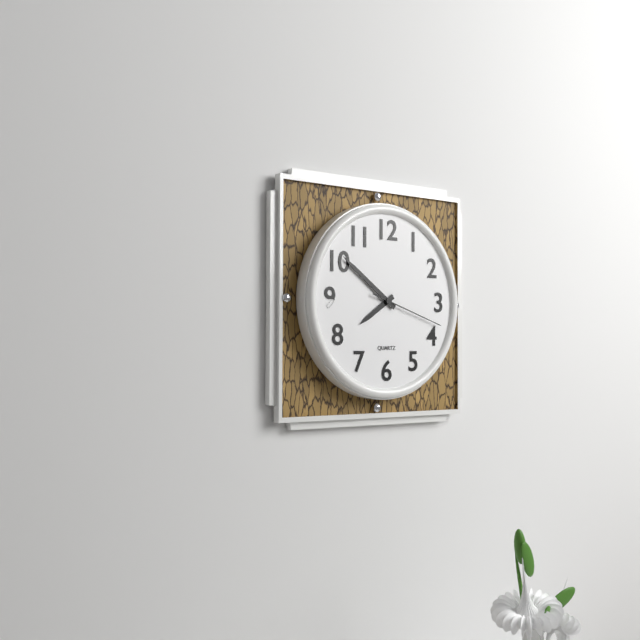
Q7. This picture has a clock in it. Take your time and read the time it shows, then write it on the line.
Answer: 7:51:18
